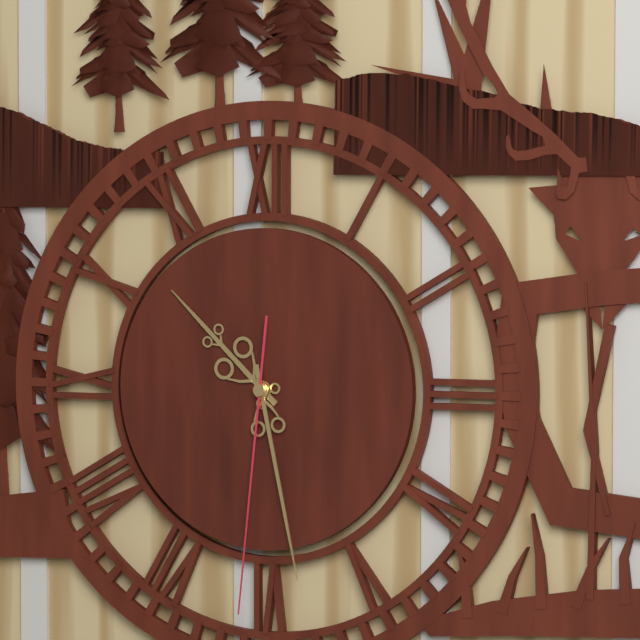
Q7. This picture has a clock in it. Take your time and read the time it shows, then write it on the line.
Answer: 10:28:31
